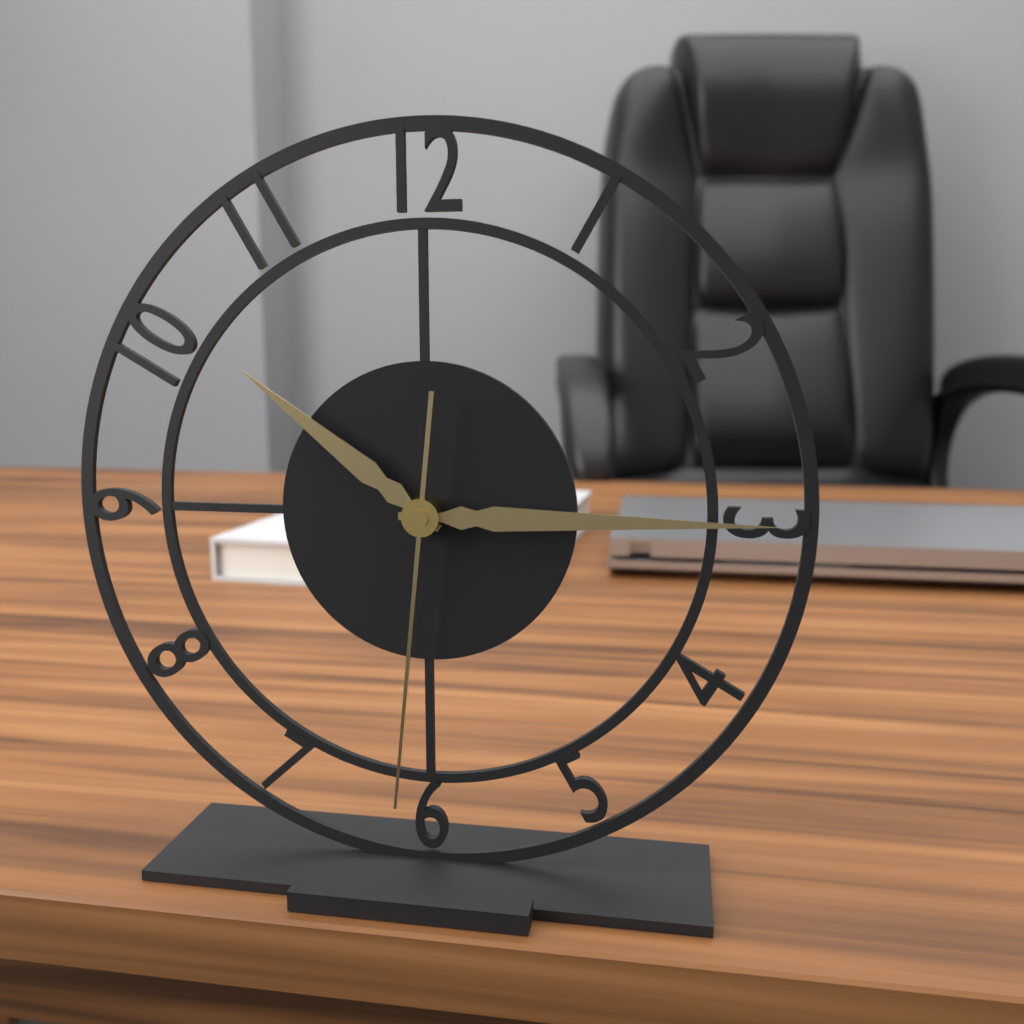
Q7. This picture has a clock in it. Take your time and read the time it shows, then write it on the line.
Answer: 10:15:31
